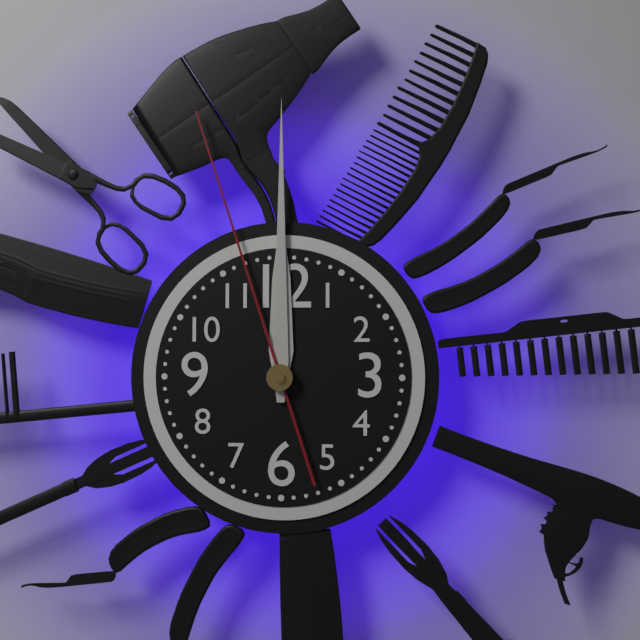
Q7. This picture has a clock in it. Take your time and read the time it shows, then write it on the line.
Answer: 12:00:57
